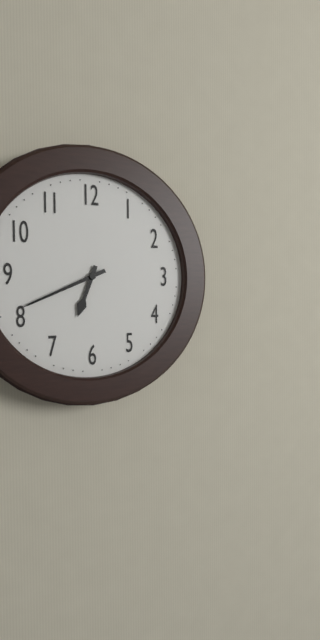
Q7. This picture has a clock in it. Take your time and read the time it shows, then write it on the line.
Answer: 6:41
